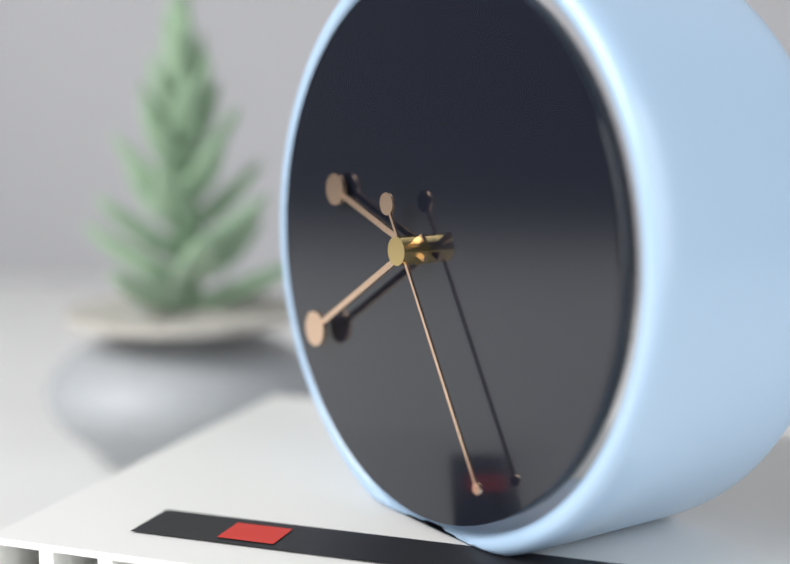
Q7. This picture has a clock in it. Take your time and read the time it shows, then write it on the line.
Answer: 9:40:25
